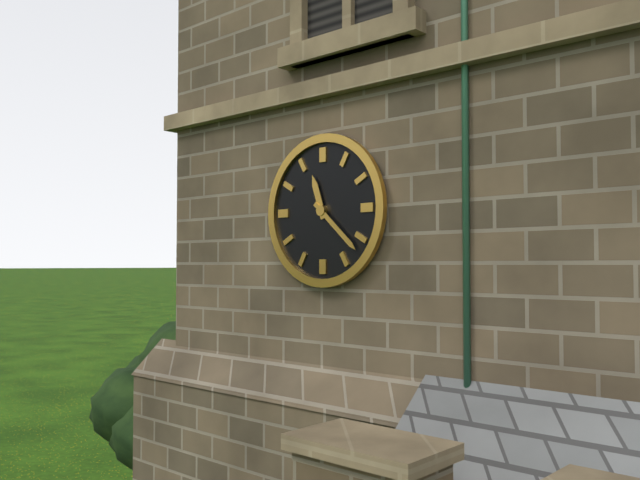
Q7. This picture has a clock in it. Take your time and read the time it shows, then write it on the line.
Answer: 11:22
